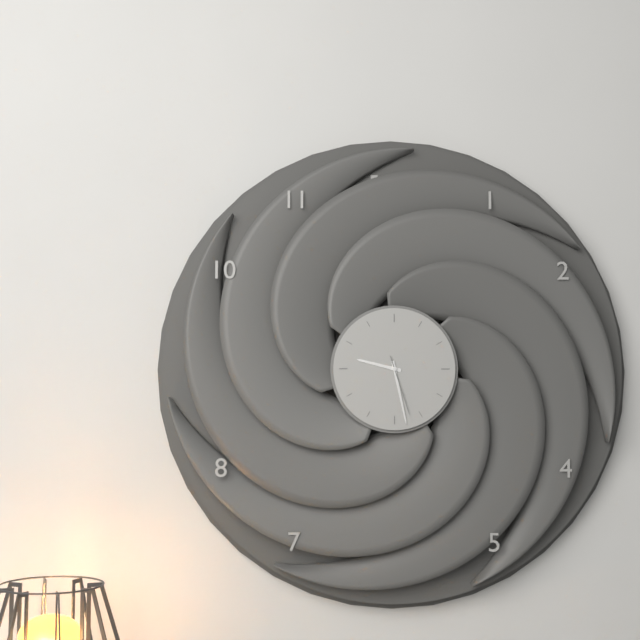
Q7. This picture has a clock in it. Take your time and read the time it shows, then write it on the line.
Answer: 9:28:27
